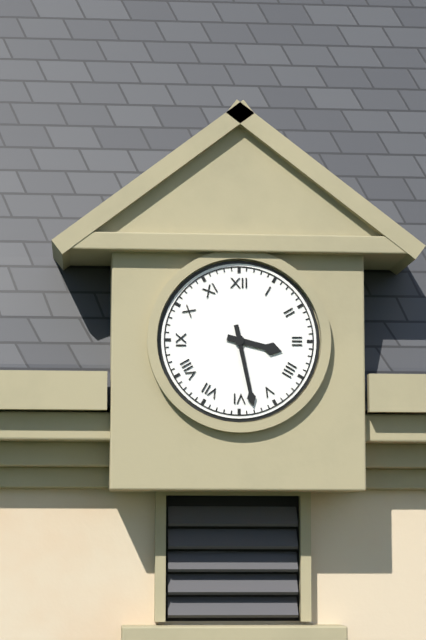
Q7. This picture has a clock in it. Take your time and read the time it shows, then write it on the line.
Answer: 3:28
